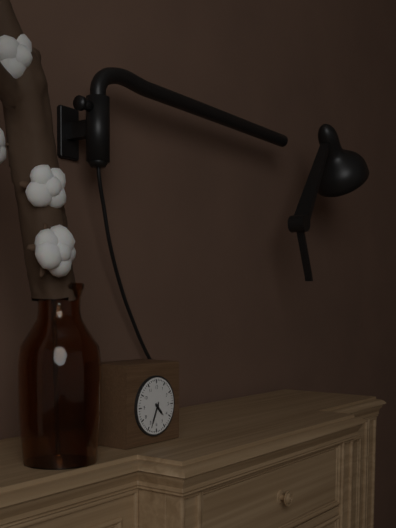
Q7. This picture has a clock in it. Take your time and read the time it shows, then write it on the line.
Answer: 4:34
